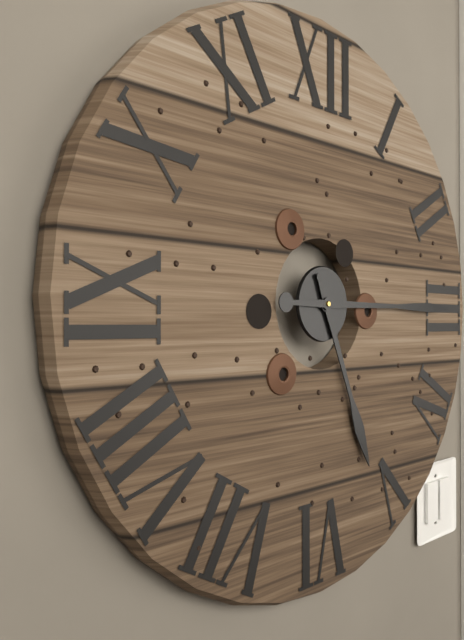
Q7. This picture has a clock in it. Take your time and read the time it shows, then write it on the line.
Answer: 5:15
